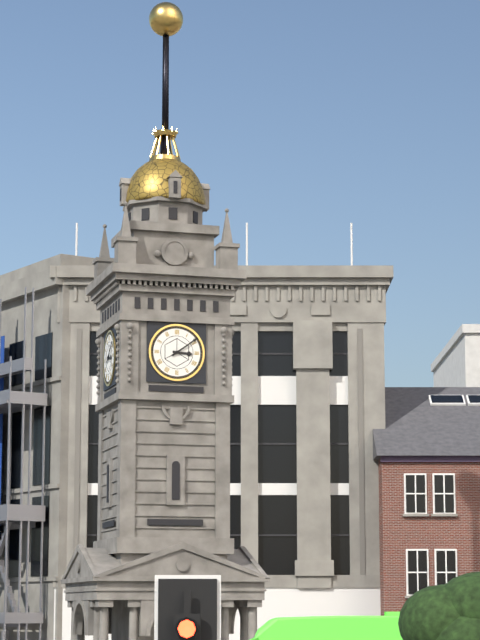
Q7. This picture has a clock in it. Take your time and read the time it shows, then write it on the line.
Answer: 3:09
